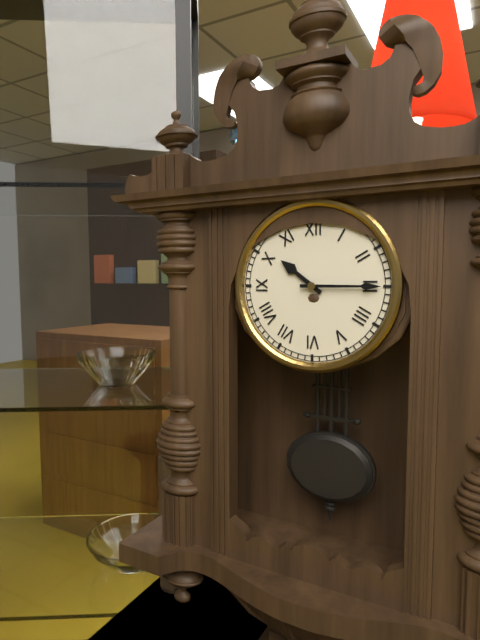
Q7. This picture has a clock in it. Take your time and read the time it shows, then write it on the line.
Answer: 10:15
